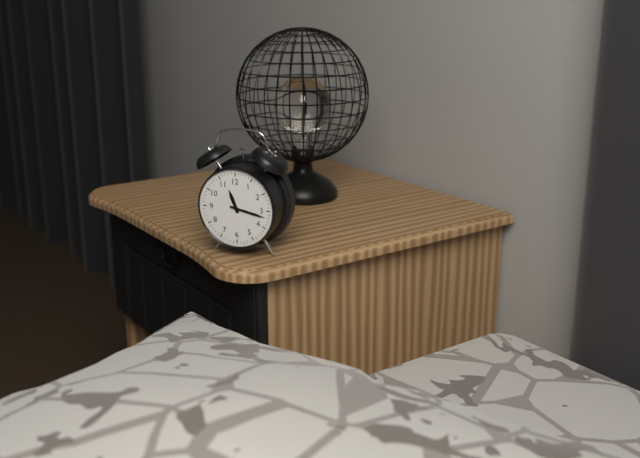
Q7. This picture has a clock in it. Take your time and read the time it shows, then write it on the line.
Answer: 11:17
